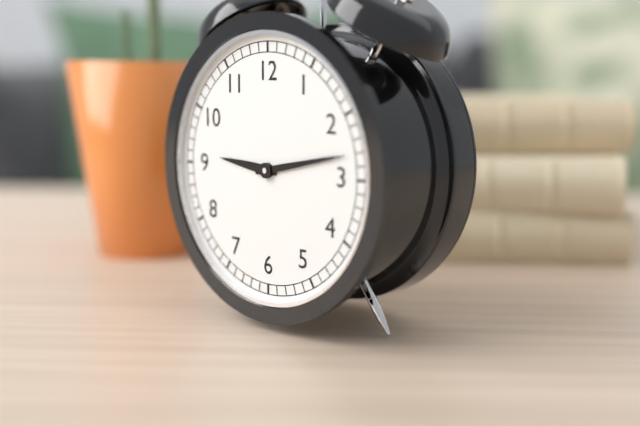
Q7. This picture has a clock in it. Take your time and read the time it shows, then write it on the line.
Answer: 9:13
